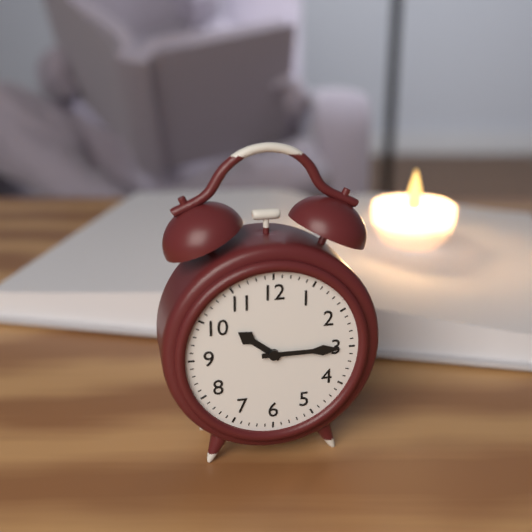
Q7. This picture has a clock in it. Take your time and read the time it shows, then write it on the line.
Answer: 10:15
